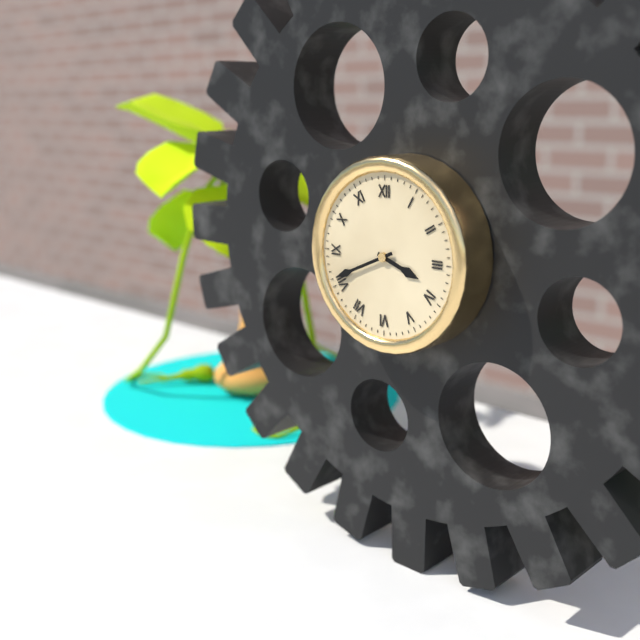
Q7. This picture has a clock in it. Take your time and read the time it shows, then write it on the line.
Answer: 3:41
